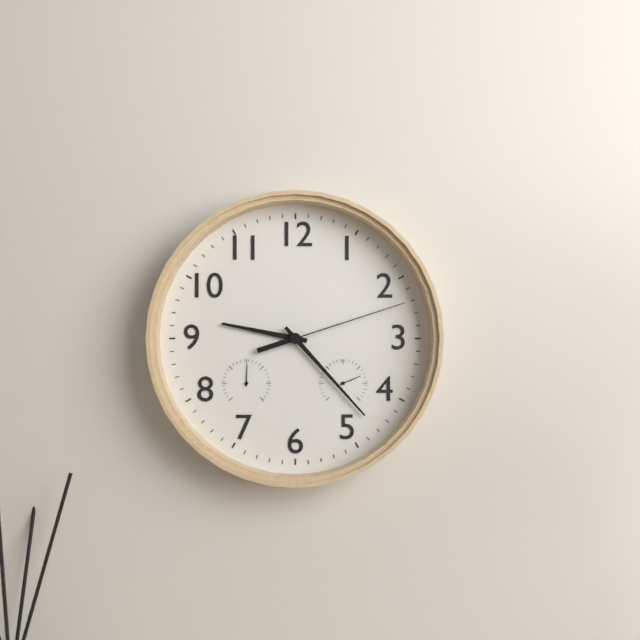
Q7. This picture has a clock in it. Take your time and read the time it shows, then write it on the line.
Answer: 9:23:12
